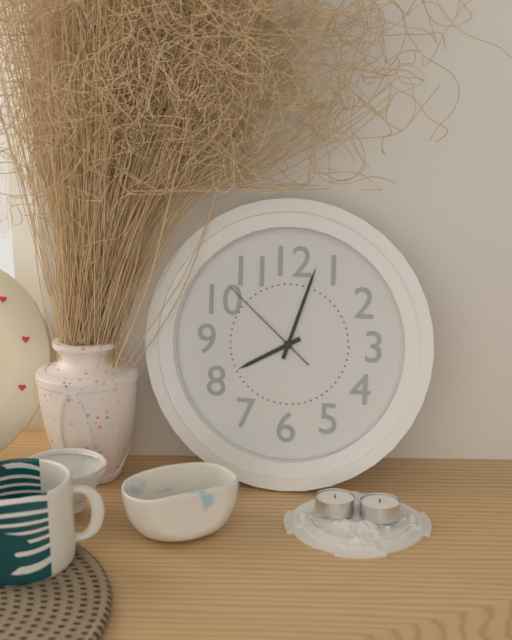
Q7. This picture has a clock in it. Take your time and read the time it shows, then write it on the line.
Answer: 8:03:52
